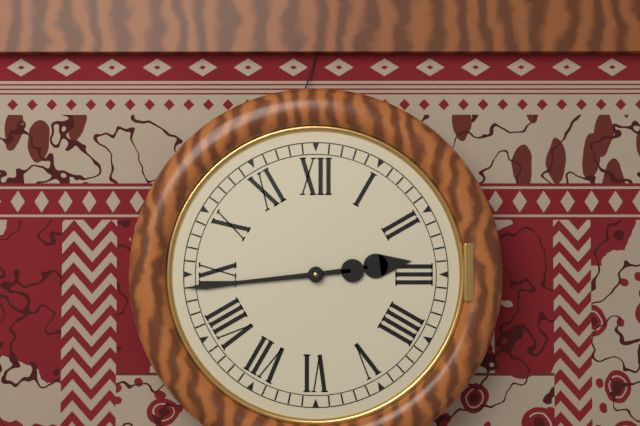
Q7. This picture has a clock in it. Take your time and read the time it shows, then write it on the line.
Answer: 2:44
